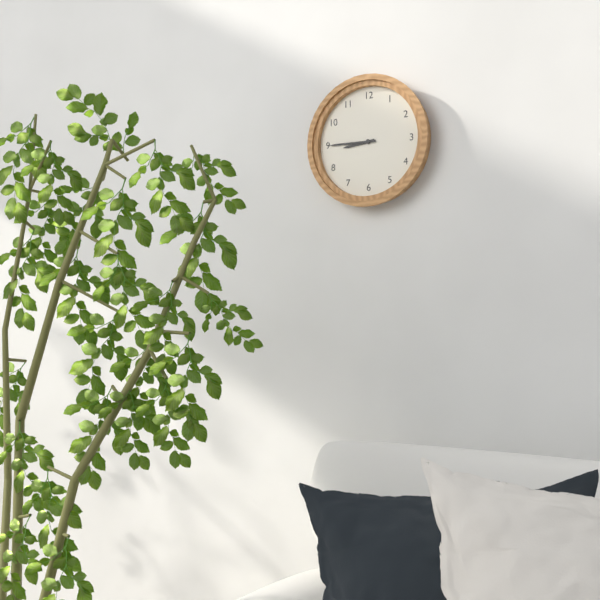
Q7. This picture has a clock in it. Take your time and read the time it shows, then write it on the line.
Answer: 8:45
